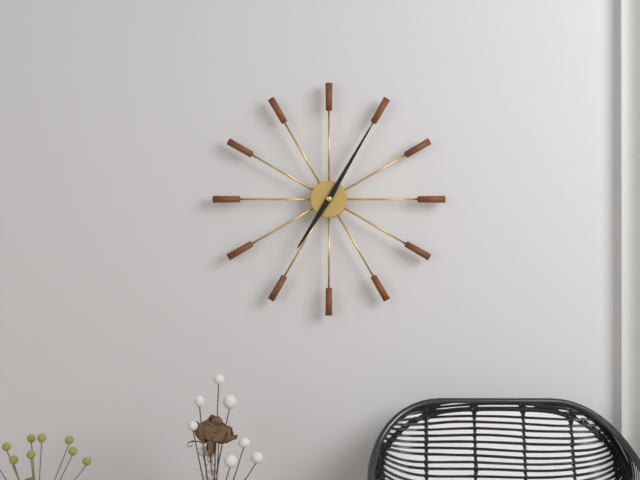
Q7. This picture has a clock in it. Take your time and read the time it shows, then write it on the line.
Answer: 7:05
